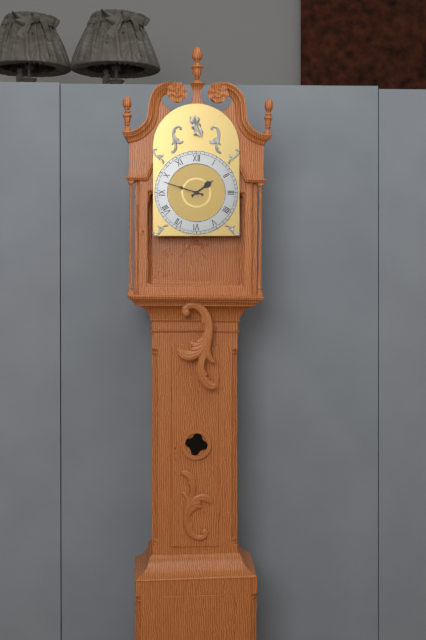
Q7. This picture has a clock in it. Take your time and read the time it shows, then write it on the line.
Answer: 1:48
